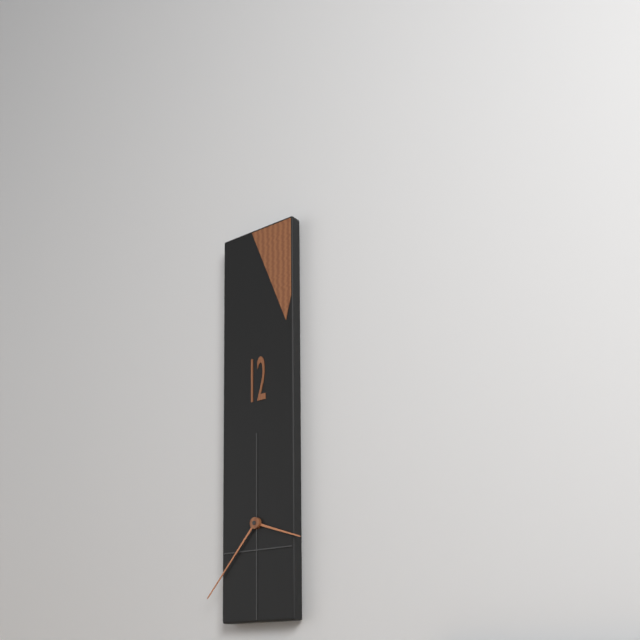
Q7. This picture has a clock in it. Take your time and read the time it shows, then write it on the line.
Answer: 3:37
